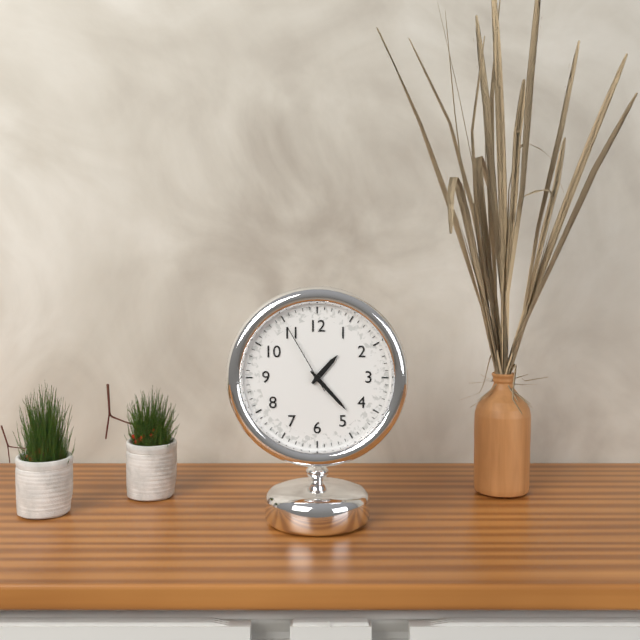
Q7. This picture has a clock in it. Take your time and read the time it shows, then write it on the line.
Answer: 1:23:55
